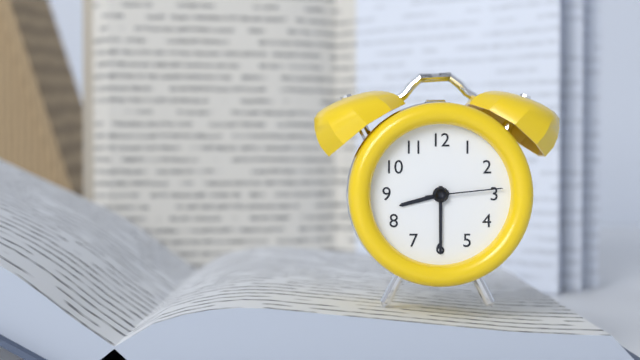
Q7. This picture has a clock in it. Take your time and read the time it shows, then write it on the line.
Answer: 8:30:14
